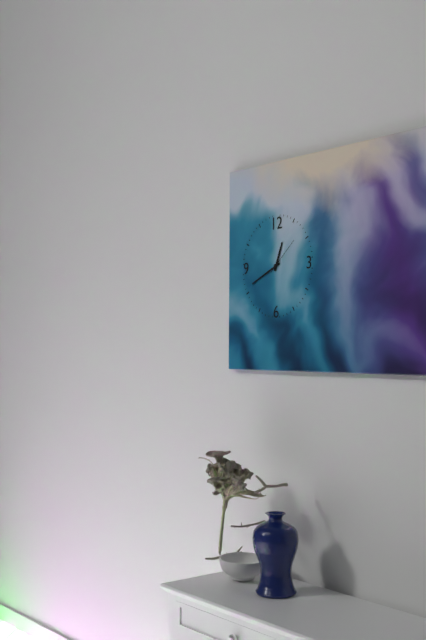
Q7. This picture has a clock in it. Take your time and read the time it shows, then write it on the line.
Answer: 12:41
